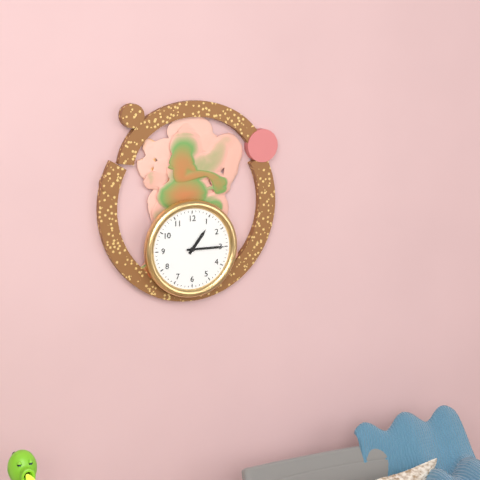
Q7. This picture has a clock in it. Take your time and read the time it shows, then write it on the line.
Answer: 1:15
